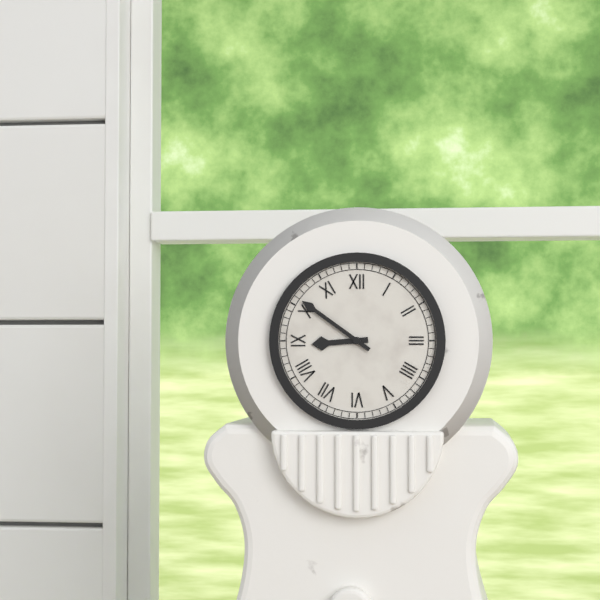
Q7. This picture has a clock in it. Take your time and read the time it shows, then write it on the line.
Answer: 8:51
